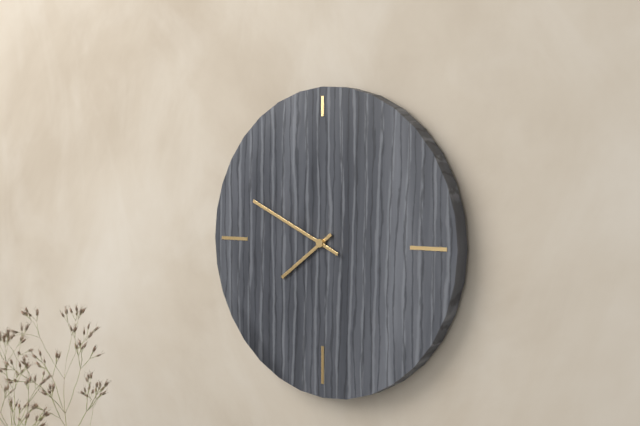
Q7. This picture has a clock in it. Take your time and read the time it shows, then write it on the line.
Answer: 7:49
